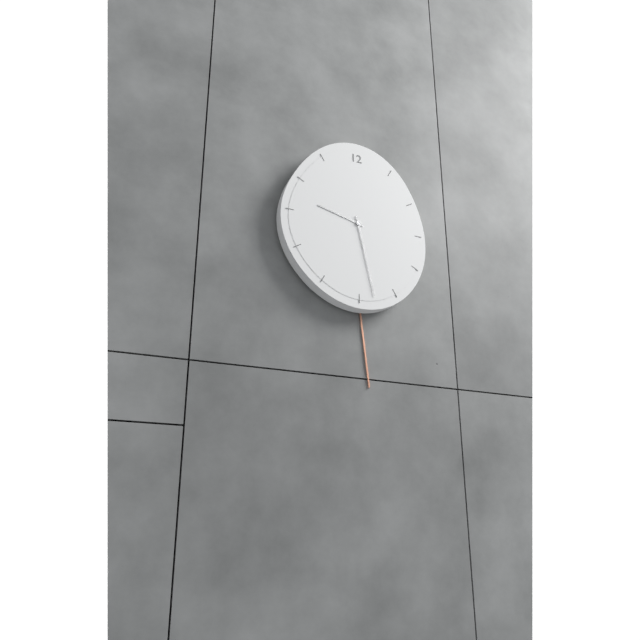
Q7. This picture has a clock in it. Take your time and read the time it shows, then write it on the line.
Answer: 9:28:29
